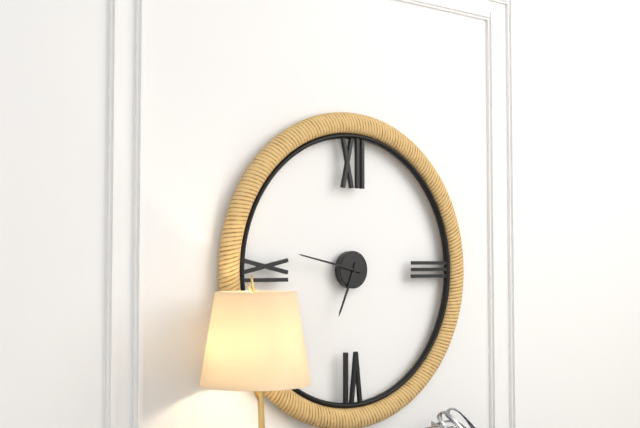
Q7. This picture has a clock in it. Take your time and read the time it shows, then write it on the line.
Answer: 6:47
